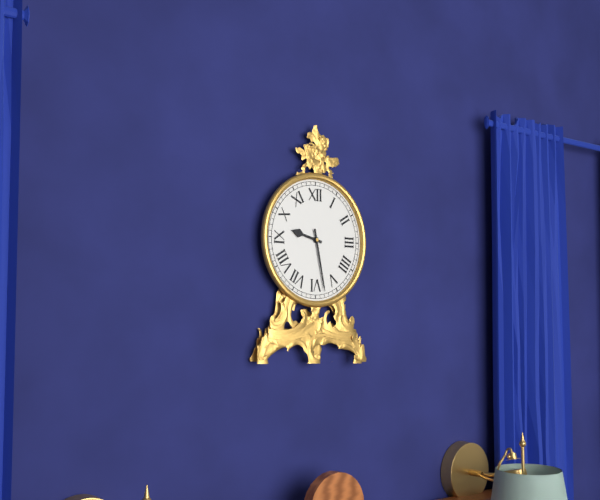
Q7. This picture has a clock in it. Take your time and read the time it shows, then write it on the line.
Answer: 9:28
